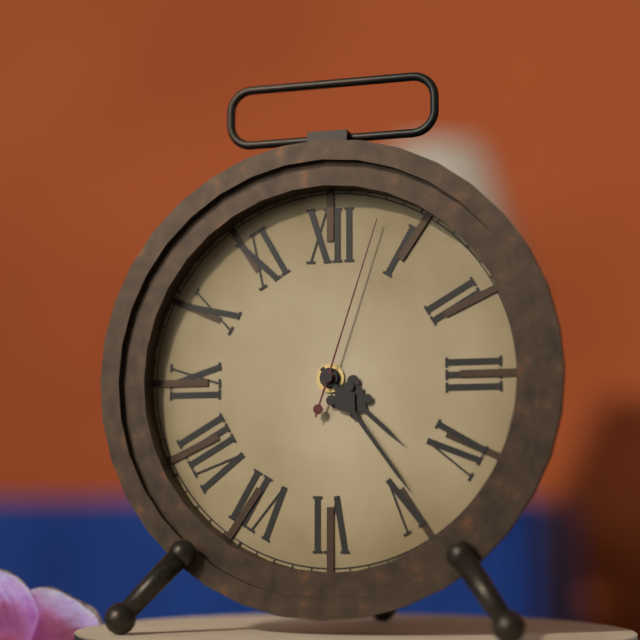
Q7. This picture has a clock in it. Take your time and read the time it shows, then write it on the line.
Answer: 4:24:03
